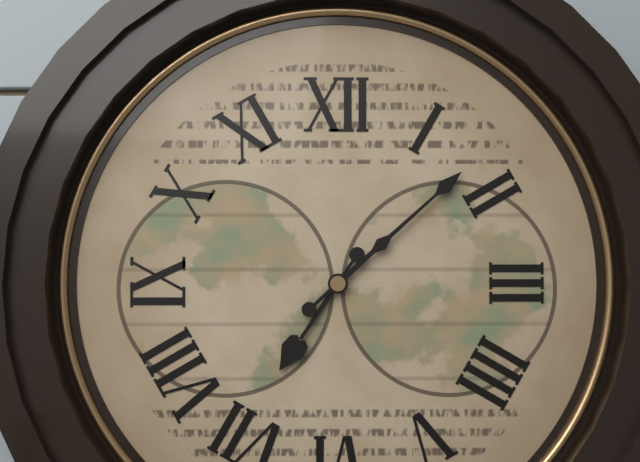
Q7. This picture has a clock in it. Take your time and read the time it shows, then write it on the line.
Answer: 7:08
